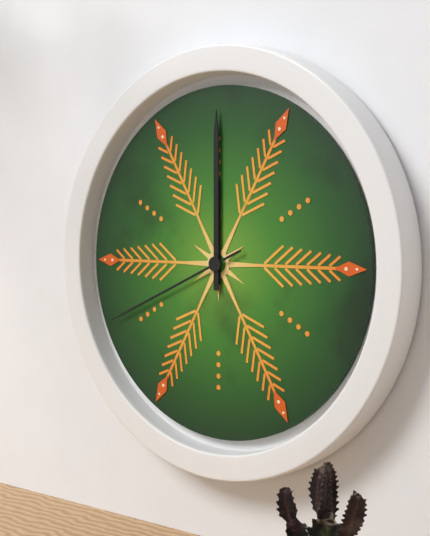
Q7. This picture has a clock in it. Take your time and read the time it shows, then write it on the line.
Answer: 12:00:41
